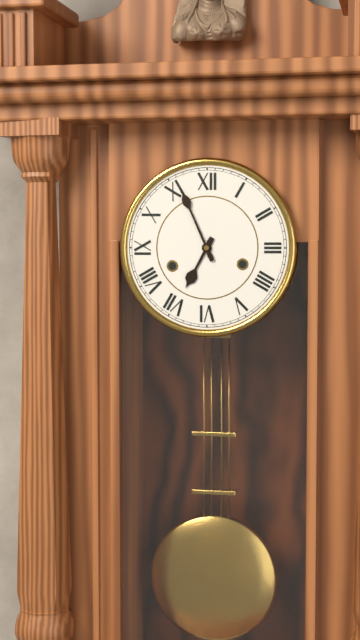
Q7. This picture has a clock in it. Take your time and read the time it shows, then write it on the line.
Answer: 6:56
